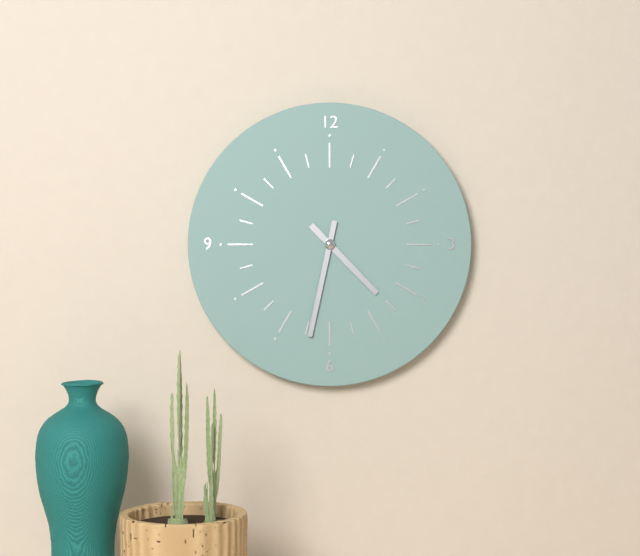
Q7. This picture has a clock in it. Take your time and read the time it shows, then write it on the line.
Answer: 4:32
